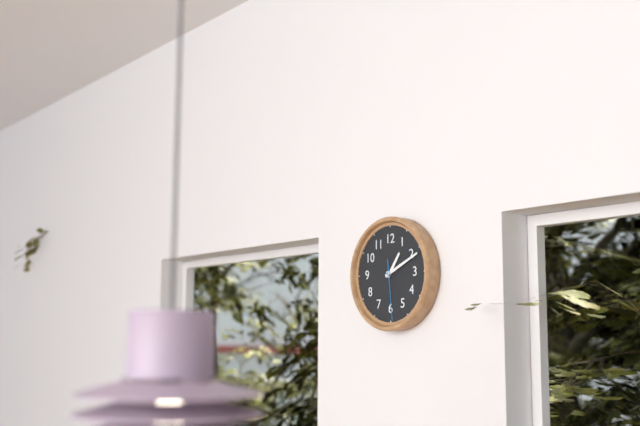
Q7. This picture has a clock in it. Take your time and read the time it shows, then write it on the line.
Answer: 1:11:29
